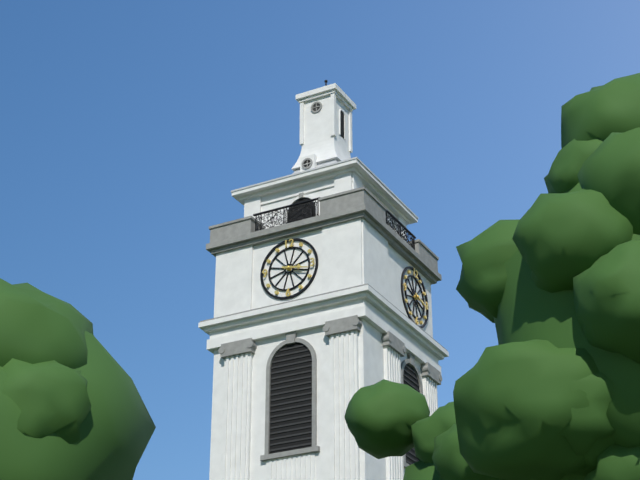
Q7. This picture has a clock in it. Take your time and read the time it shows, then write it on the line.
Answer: 3:17
